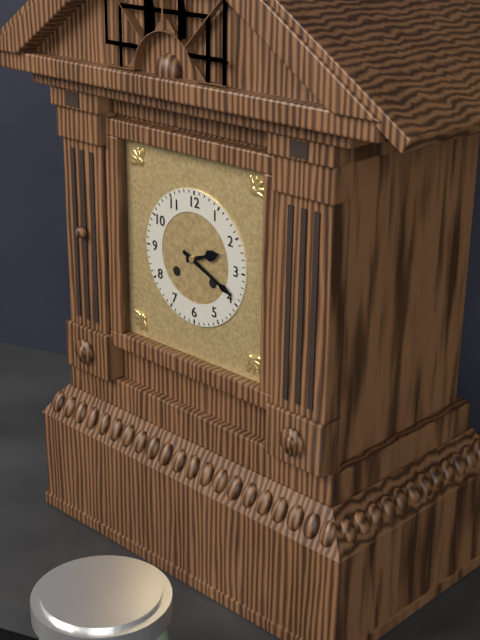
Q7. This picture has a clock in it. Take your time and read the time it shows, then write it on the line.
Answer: 2:19
